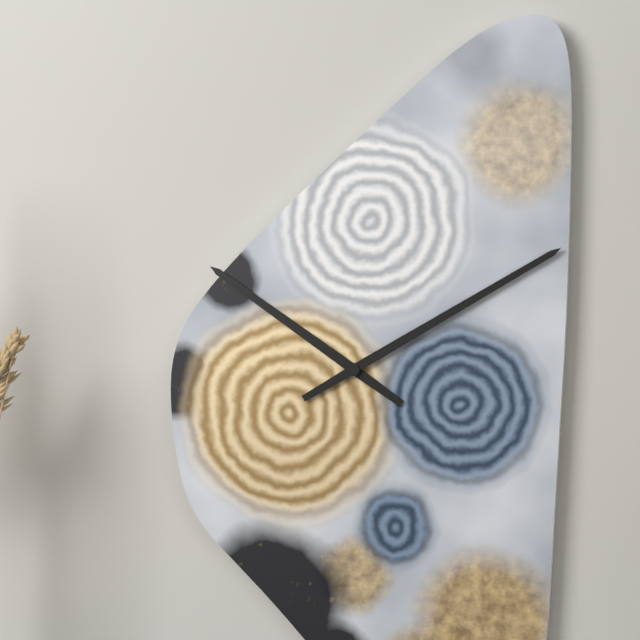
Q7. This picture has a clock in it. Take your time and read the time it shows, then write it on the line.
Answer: 10:10
